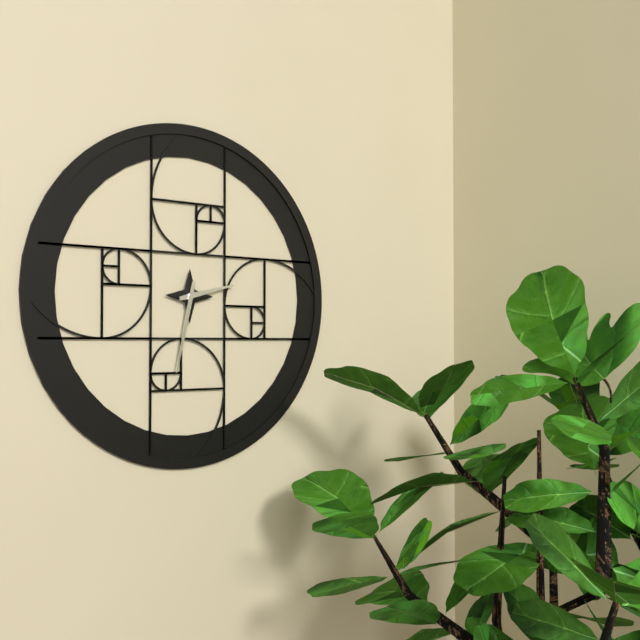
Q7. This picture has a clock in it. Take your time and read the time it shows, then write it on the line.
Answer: 2:32
